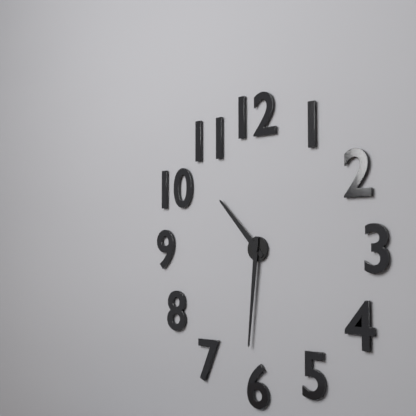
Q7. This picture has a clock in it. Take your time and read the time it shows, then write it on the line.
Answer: 10:31
